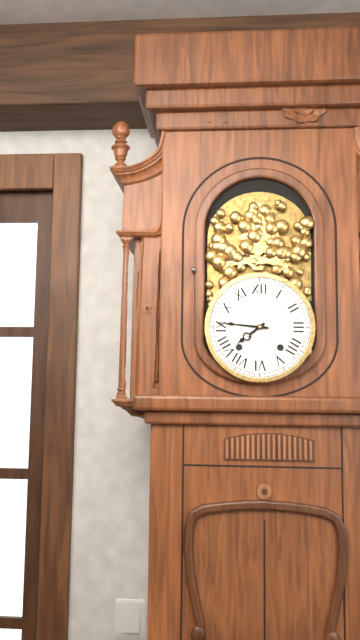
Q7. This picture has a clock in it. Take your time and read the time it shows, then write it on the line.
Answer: 7:46
